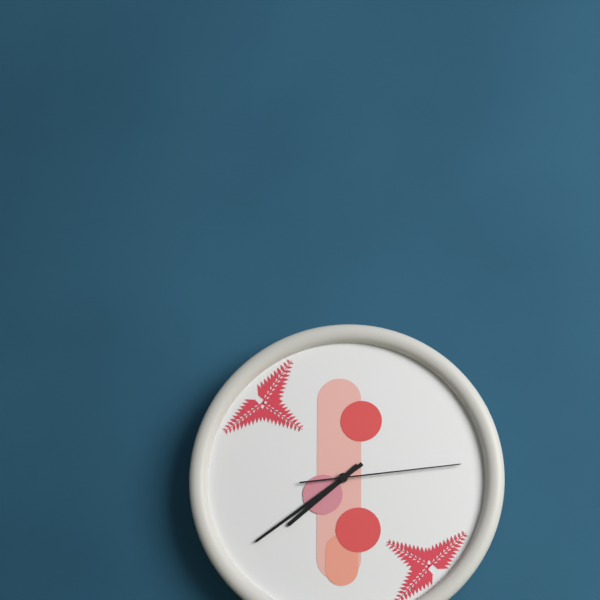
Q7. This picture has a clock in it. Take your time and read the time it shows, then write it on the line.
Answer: 7:39:14
